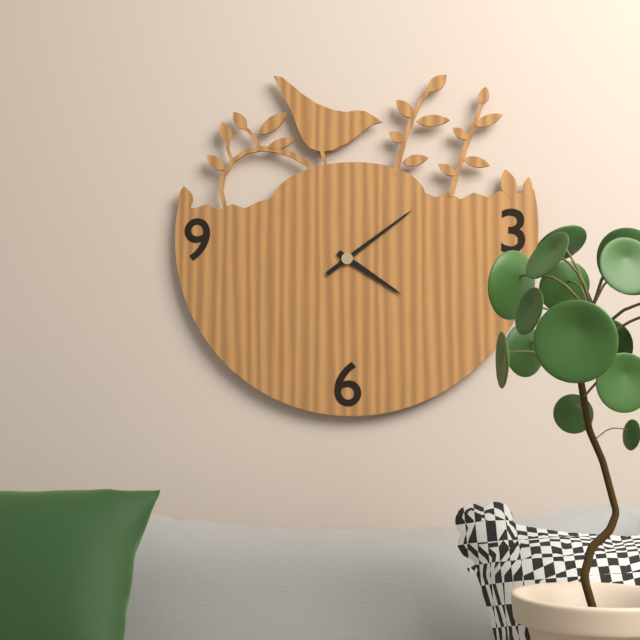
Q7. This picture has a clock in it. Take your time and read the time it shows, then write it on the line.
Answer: 4:09
